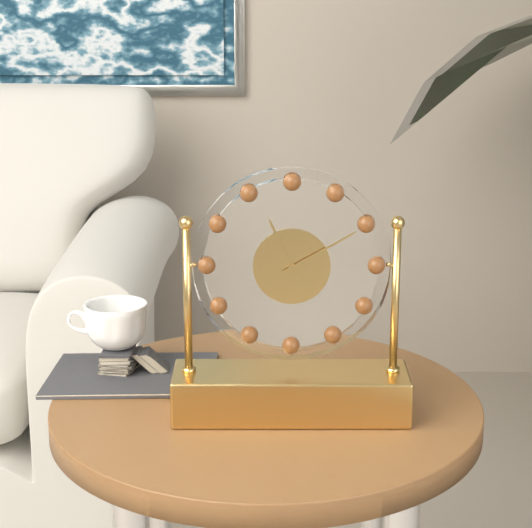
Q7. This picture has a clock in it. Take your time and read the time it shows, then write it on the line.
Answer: 11:10
